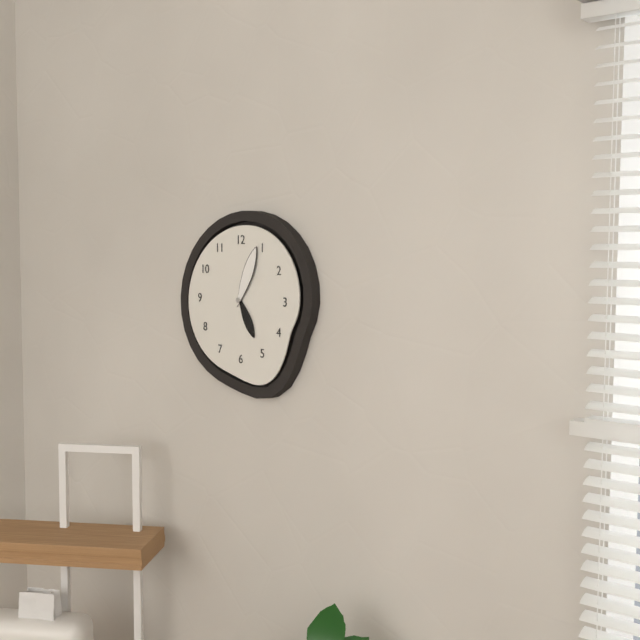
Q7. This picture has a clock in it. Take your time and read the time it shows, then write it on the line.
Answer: 5:04
